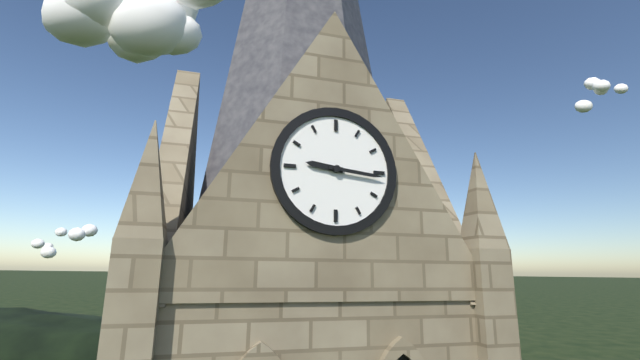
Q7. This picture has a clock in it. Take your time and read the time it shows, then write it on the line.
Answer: 9:16
